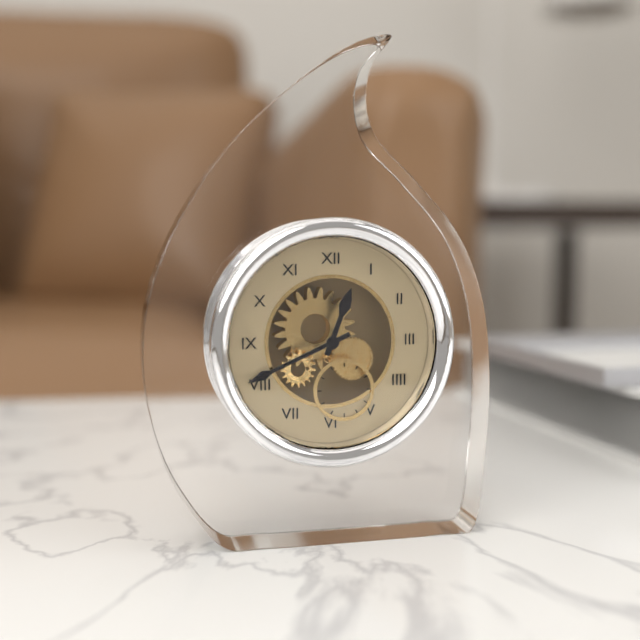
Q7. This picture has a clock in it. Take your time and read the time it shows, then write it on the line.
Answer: 12:41
